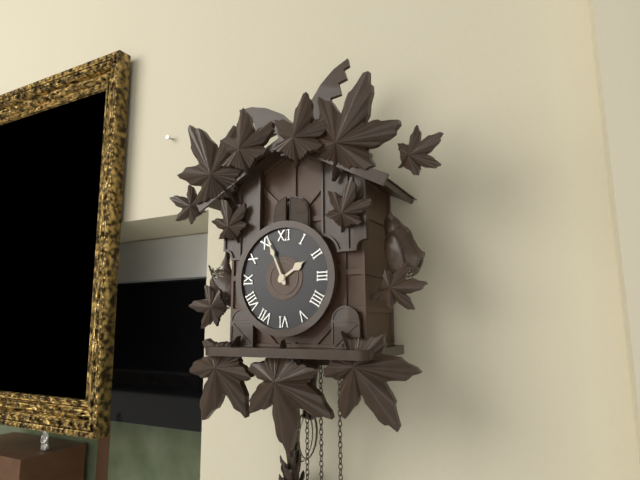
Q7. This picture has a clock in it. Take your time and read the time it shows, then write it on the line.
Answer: 1:56
